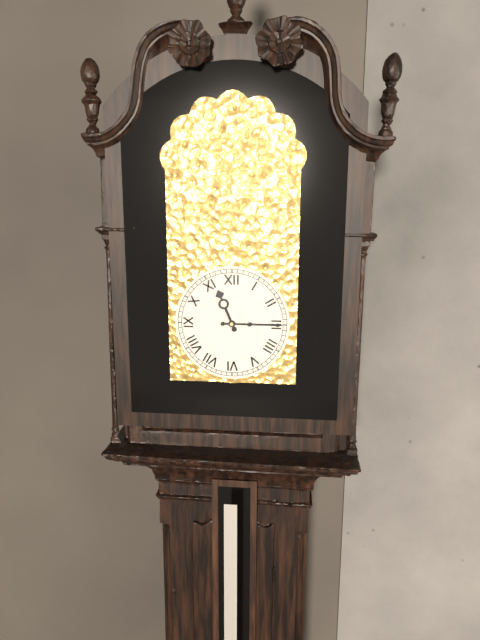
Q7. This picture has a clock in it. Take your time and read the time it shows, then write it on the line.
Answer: 11:15
